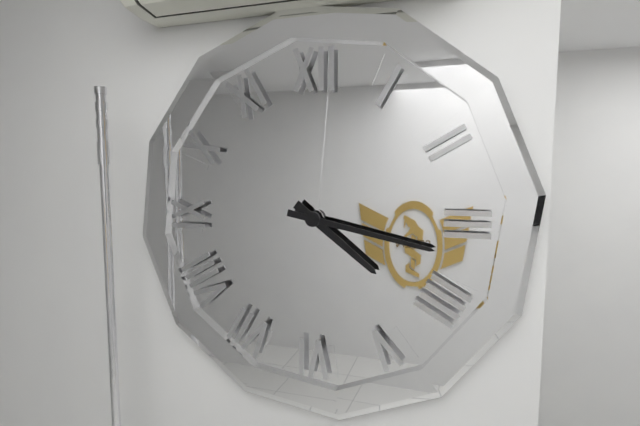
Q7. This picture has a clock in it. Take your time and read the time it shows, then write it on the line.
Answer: 4:17
